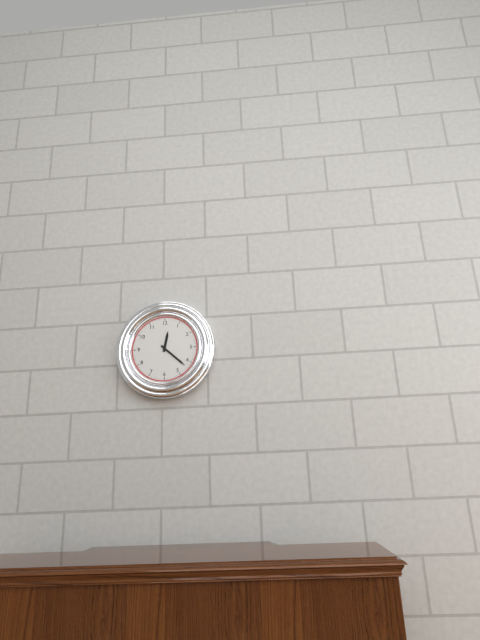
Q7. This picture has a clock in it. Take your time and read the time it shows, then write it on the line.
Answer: 12:22
